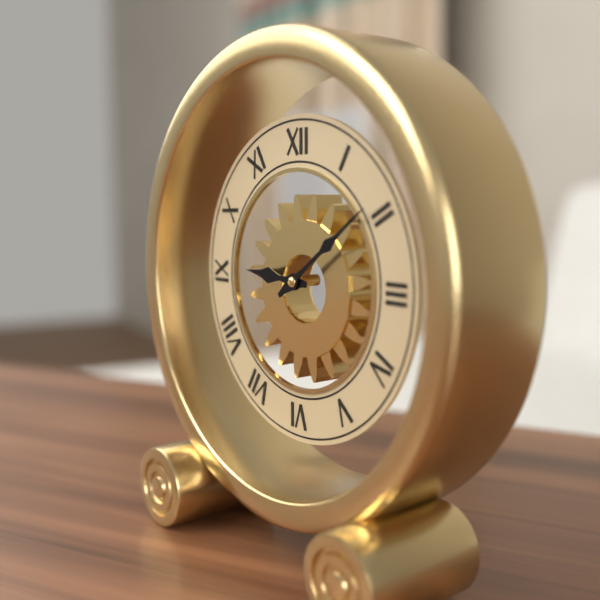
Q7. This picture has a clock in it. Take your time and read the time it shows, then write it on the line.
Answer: 9:09
